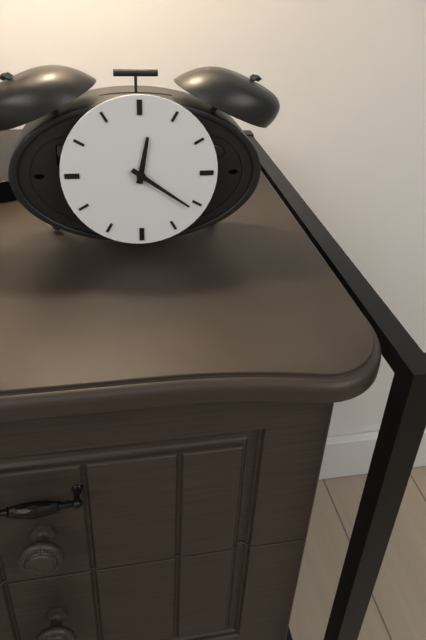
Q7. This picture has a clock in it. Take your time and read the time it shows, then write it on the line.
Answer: 12:21
